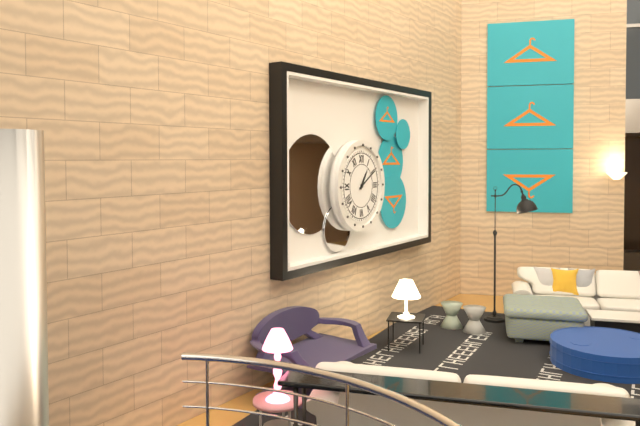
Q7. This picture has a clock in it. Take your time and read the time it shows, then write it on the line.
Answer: 1:10
